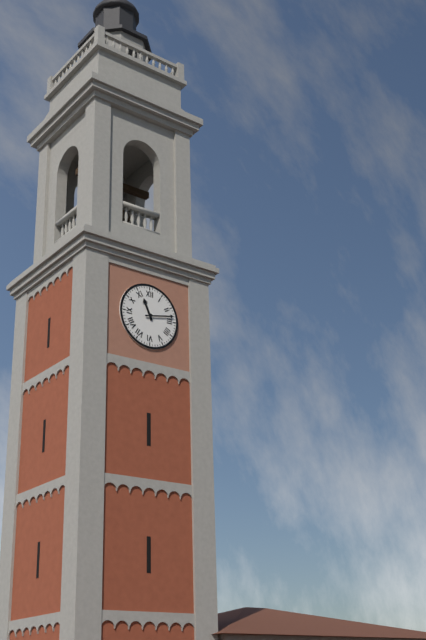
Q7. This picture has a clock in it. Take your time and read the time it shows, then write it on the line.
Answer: 11:13
